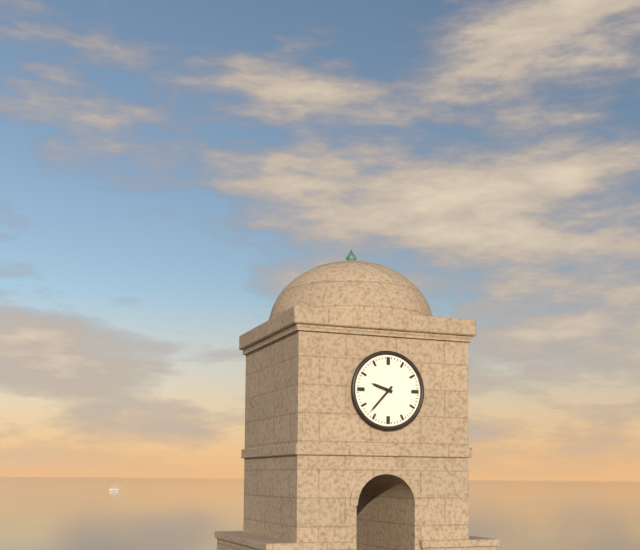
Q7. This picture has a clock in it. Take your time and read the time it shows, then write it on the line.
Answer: 9:37
